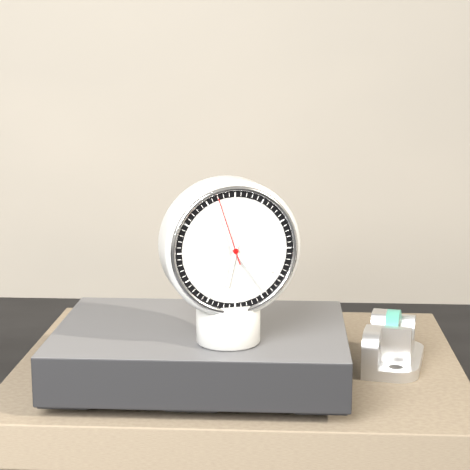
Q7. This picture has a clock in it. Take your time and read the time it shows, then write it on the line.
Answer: 6:24:57
